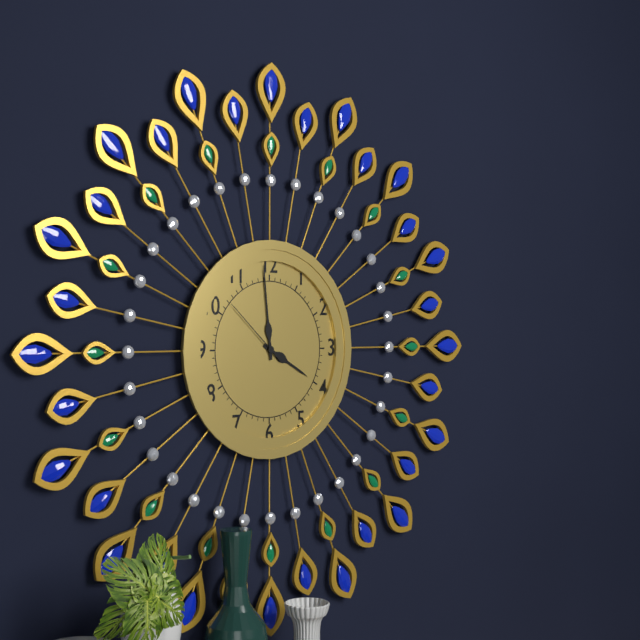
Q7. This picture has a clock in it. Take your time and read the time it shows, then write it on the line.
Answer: 3:59:52
